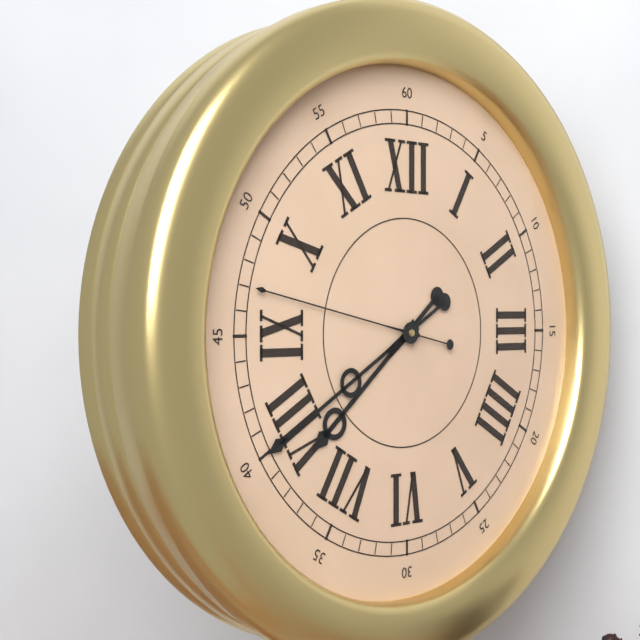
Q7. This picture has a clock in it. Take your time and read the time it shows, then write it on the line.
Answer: 7:40:47
